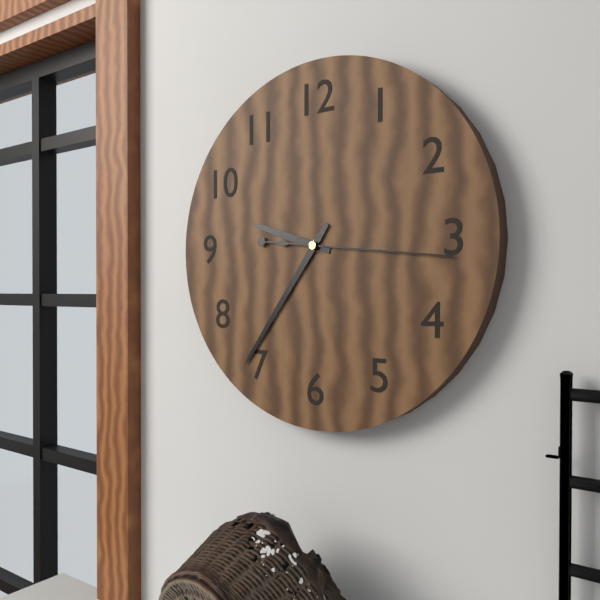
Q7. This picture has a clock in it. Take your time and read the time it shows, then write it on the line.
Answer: 9:36:16
